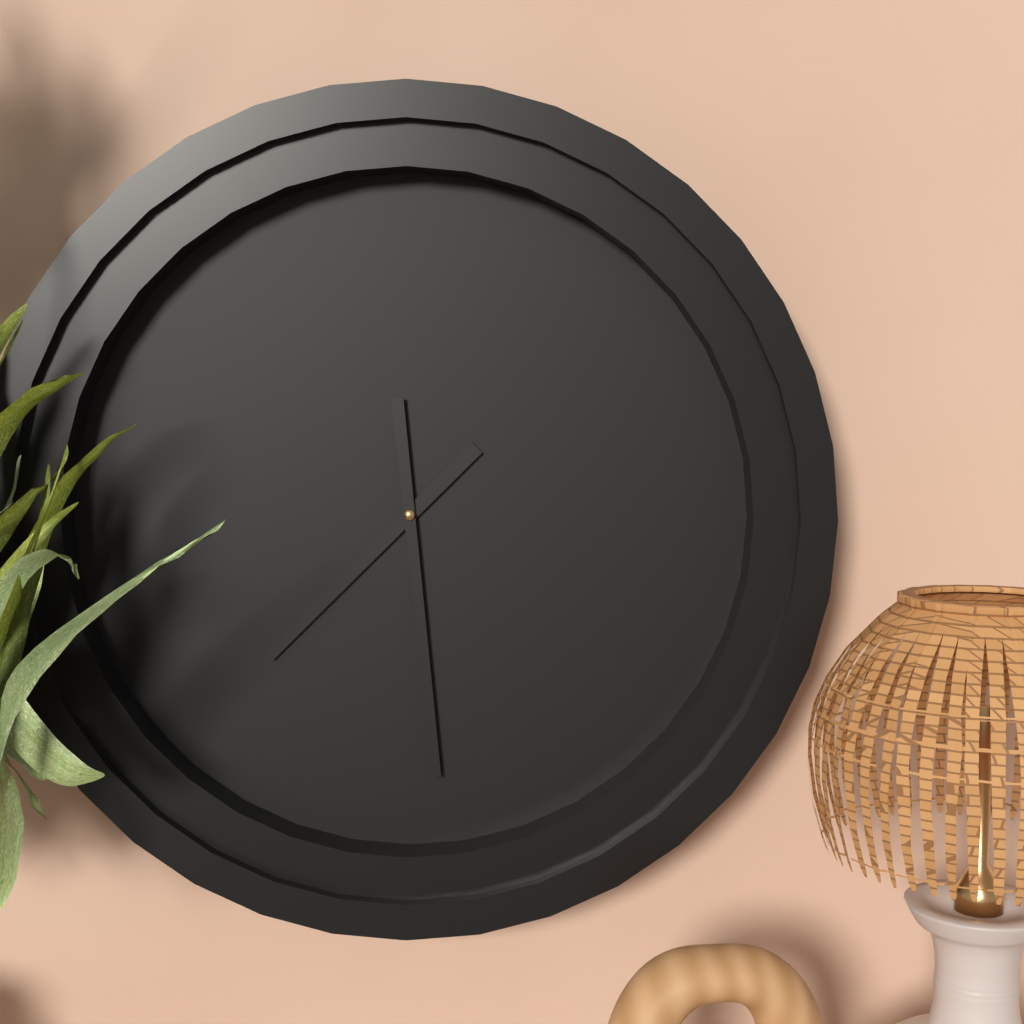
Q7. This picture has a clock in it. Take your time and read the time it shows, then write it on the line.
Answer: 7:29
